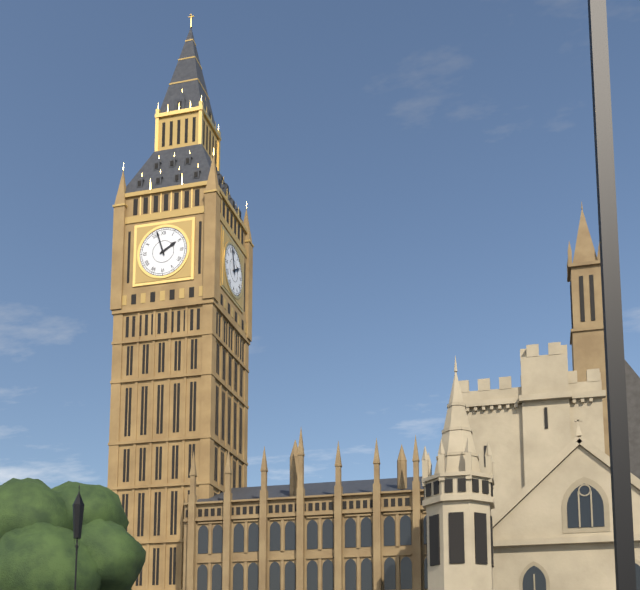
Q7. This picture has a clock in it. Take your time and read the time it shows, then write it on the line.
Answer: 1:57
